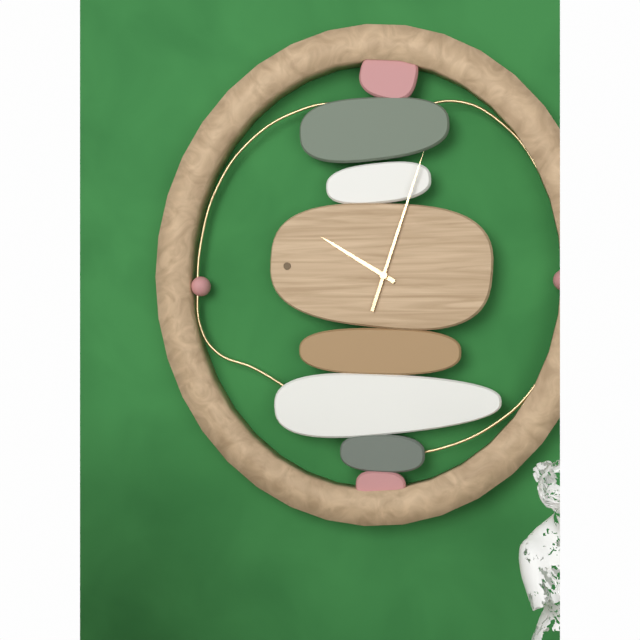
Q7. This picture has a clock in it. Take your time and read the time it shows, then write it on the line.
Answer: 10:03
